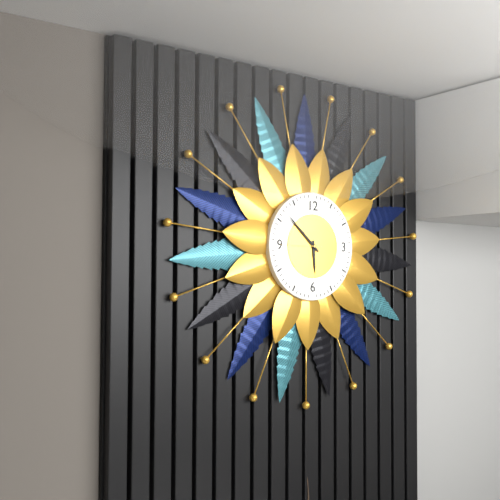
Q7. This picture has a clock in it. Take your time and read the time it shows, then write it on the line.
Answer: 5:52
